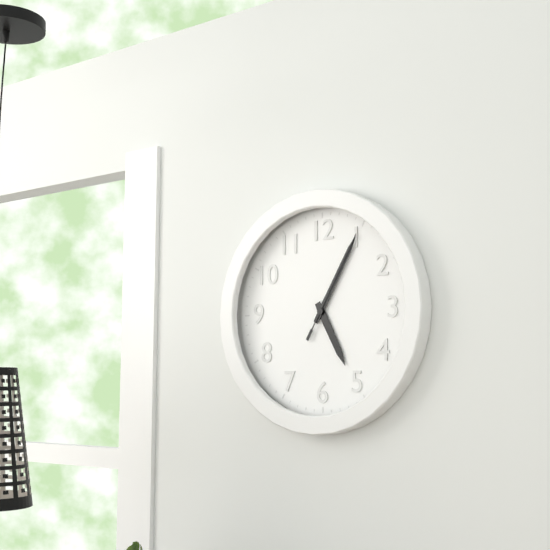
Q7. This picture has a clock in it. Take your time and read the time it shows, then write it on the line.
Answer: 5:05:05
